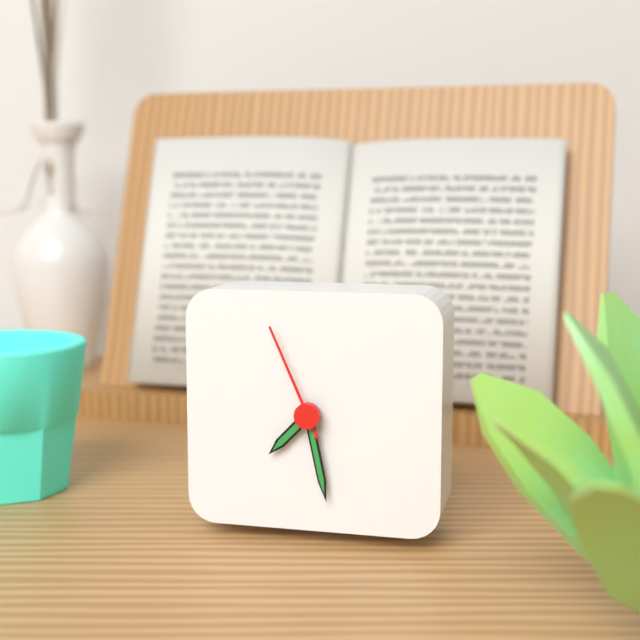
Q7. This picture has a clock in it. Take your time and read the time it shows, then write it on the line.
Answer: 7:28:56
